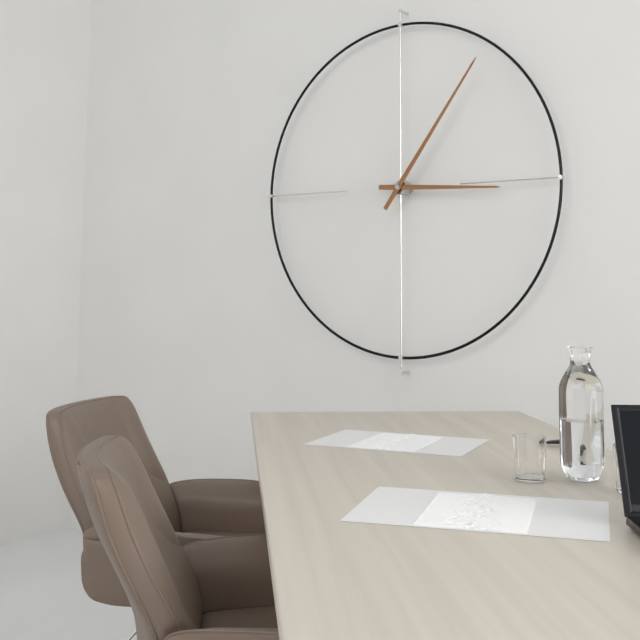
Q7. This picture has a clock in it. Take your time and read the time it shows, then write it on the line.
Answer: 3:06
